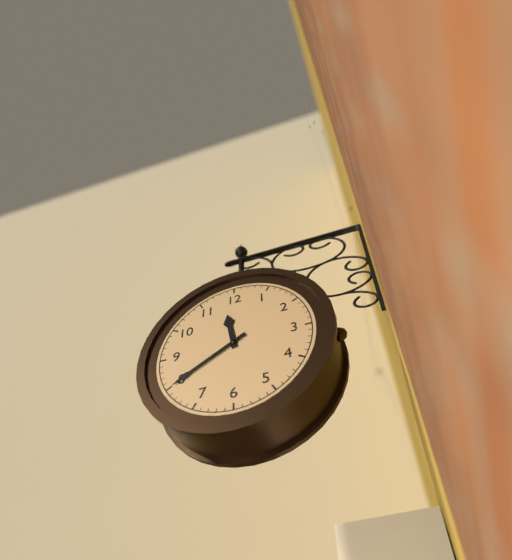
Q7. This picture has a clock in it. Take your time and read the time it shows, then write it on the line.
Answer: 11:40
